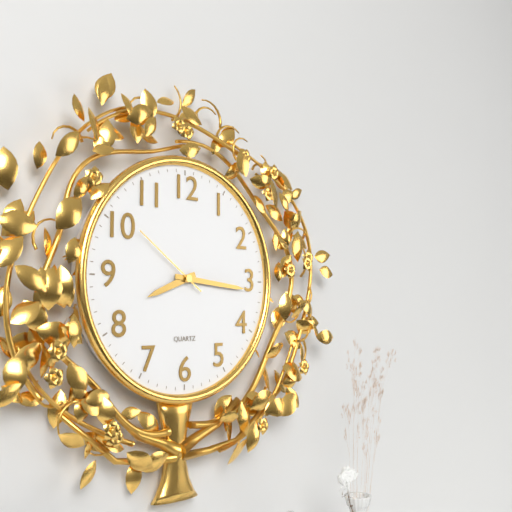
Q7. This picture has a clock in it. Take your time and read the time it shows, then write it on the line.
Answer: 8:16:51
